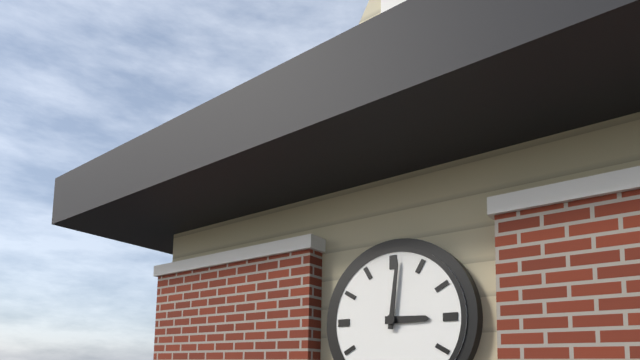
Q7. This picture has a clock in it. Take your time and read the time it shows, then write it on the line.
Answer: 3:01
